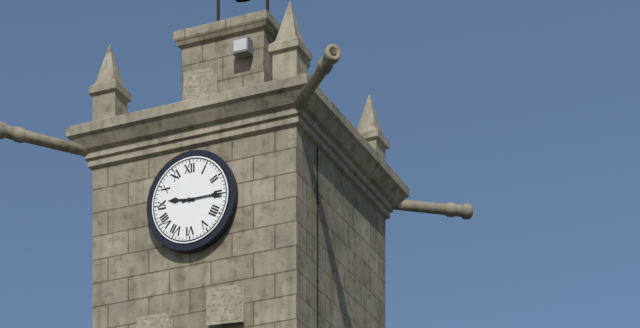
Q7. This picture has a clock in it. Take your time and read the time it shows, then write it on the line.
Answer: 9:15
